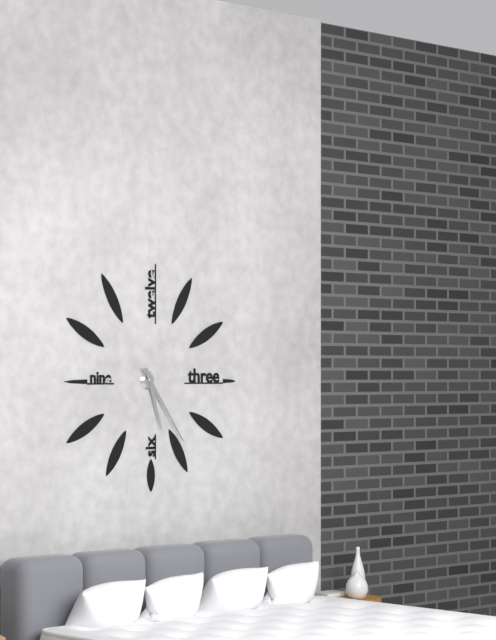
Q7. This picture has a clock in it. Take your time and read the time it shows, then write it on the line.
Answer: 5:24
